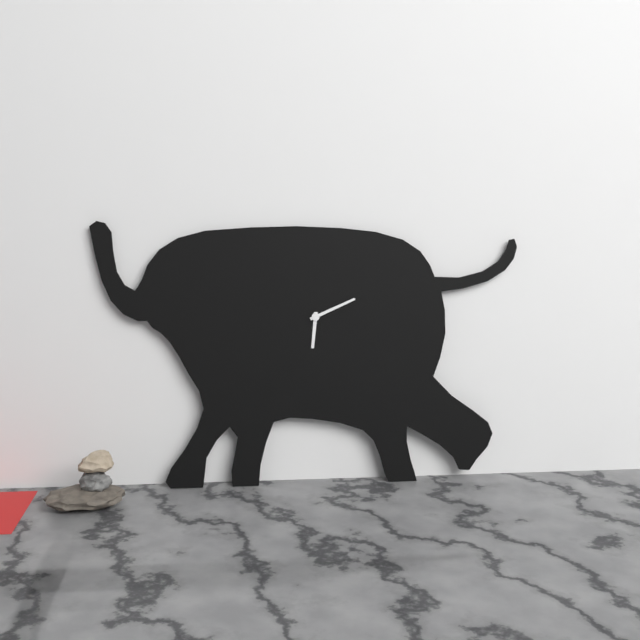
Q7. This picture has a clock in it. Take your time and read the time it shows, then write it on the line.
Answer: 6:11
